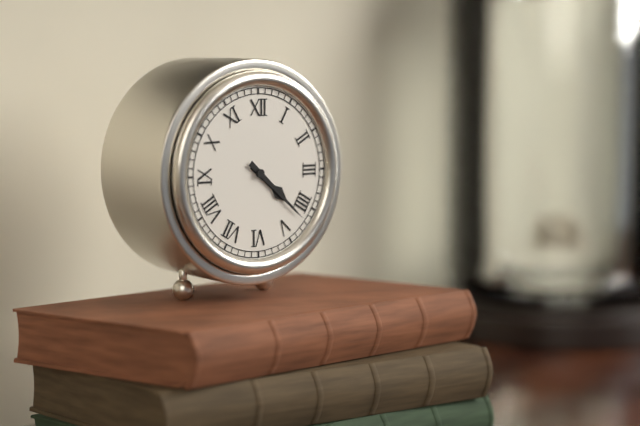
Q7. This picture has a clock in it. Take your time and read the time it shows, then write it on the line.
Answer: 4:22
